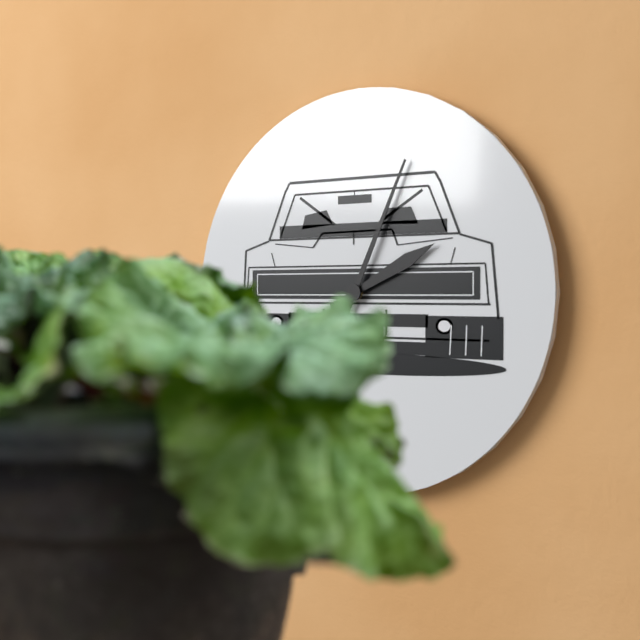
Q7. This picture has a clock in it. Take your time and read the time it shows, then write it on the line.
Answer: 2:04
